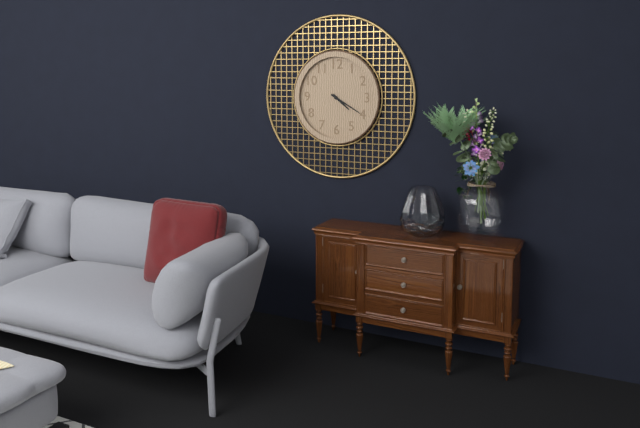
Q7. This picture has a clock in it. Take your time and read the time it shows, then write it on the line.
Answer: 4:20
